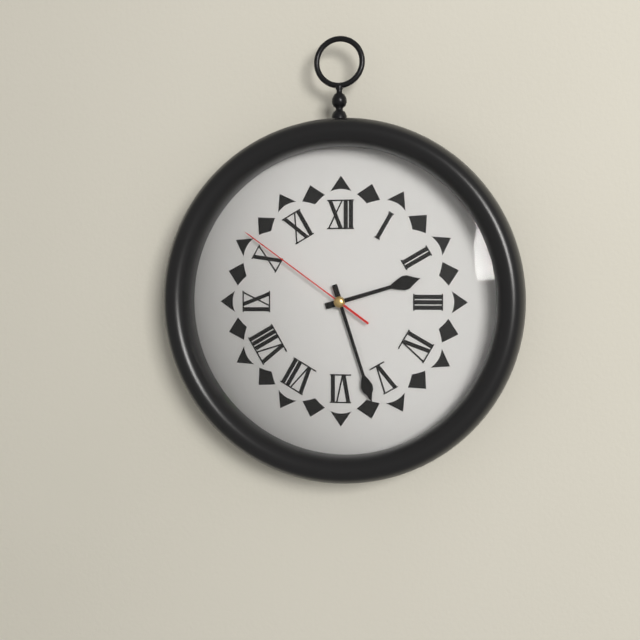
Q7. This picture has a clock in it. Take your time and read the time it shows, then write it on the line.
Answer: 2:27:51
